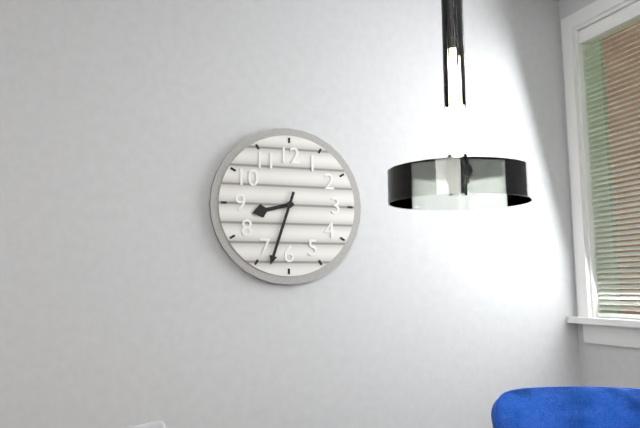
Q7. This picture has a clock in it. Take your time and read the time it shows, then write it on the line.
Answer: 8:33
